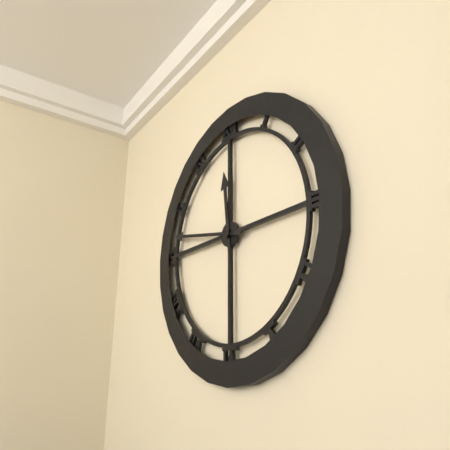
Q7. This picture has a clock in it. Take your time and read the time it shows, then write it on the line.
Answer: 11:47
